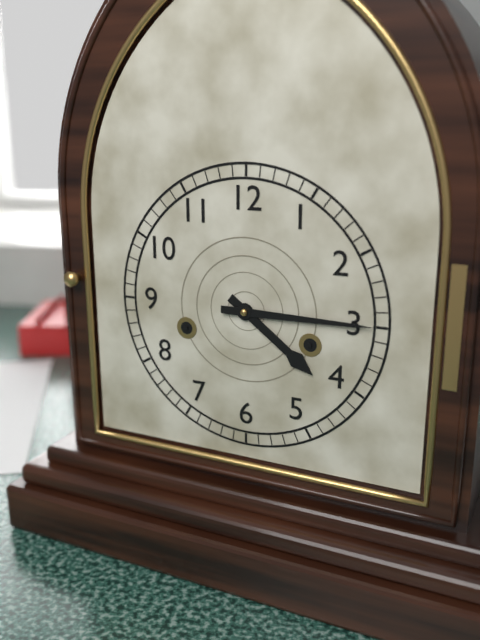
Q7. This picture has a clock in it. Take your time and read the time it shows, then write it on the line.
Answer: 4:15
